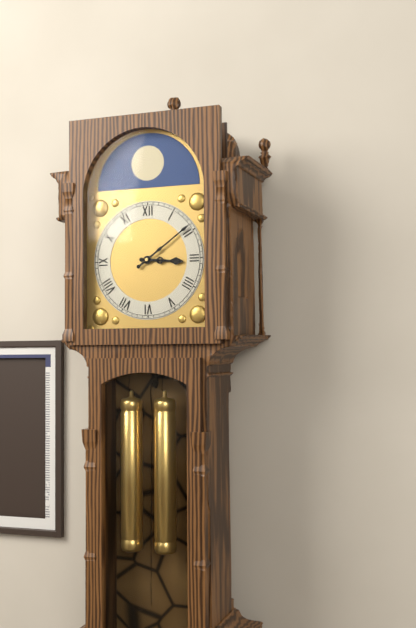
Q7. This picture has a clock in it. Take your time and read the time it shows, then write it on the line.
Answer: 3:09
